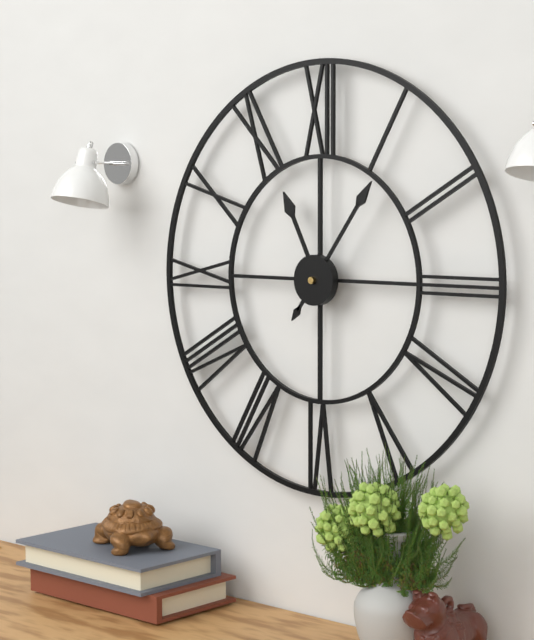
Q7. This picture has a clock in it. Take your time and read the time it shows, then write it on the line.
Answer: 11:06
